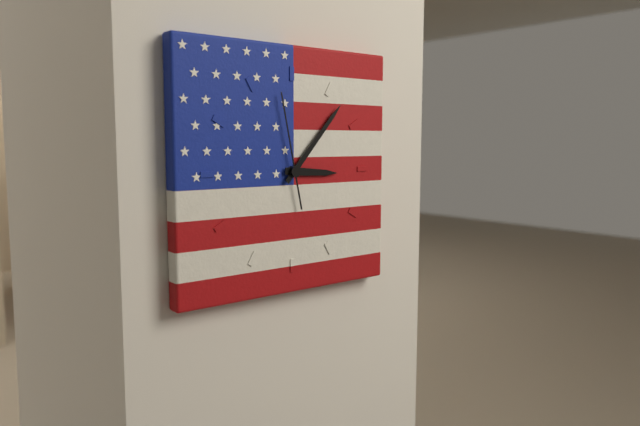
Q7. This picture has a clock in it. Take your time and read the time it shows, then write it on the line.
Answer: 3:07:58
